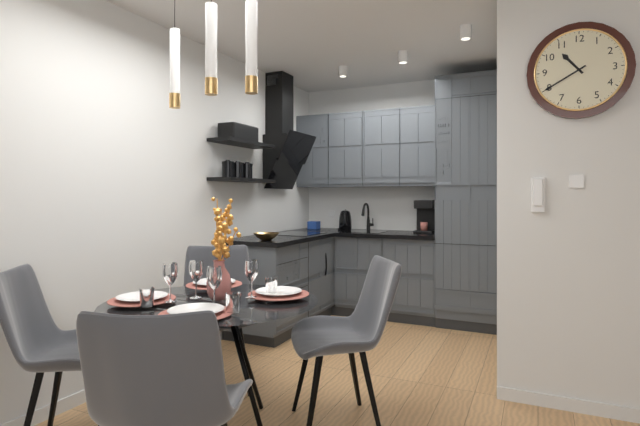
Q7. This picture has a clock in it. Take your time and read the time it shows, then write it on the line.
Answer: 10:40
